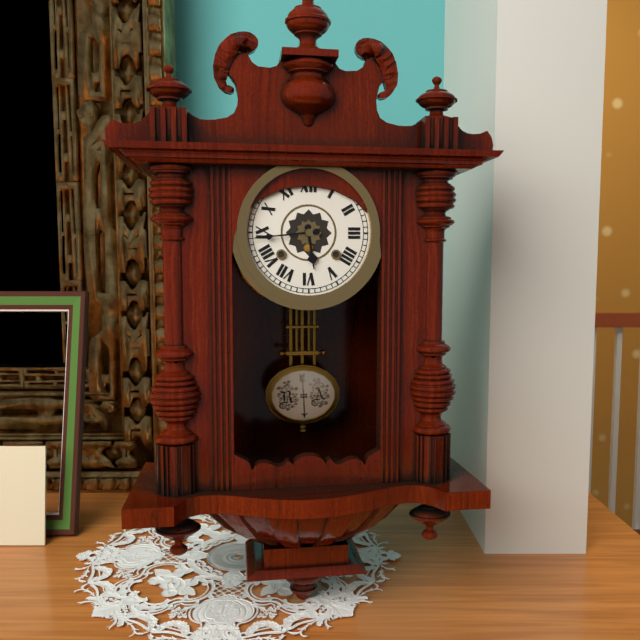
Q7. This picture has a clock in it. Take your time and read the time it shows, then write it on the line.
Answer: 5:44
